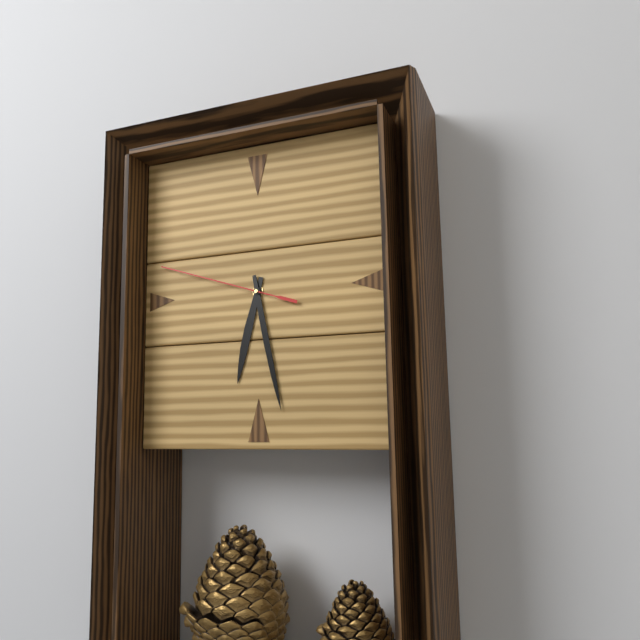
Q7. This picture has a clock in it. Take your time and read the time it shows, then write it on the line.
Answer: 6:28:48
